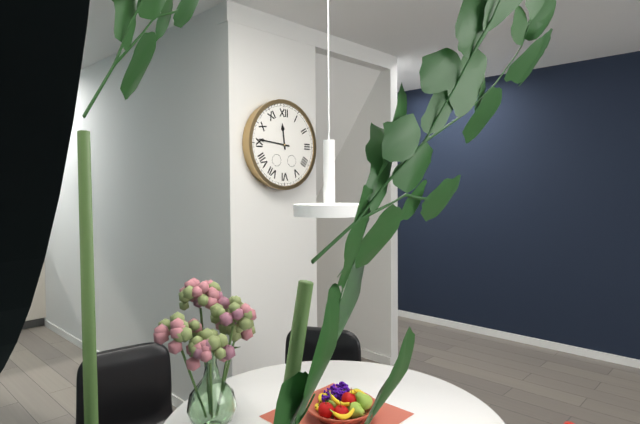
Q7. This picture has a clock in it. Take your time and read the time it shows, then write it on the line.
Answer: 11:46
